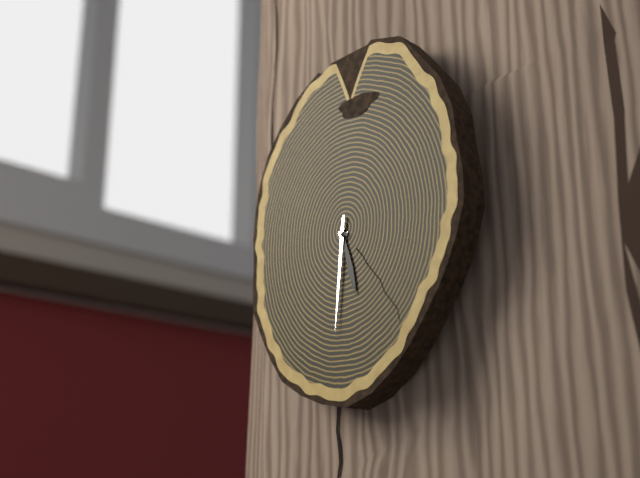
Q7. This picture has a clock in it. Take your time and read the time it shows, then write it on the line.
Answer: 5:31
